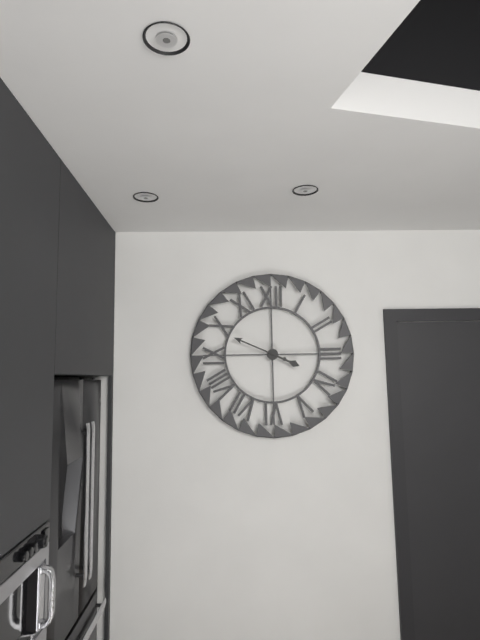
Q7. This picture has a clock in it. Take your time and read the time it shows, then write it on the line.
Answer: 3:49
